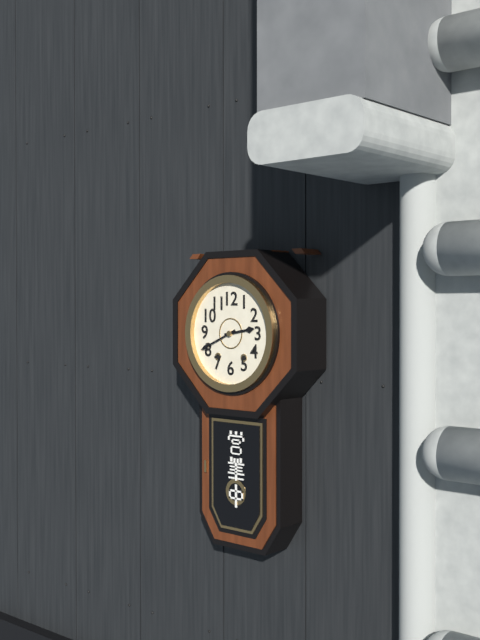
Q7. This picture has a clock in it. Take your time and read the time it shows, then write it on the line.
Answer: 2:41
